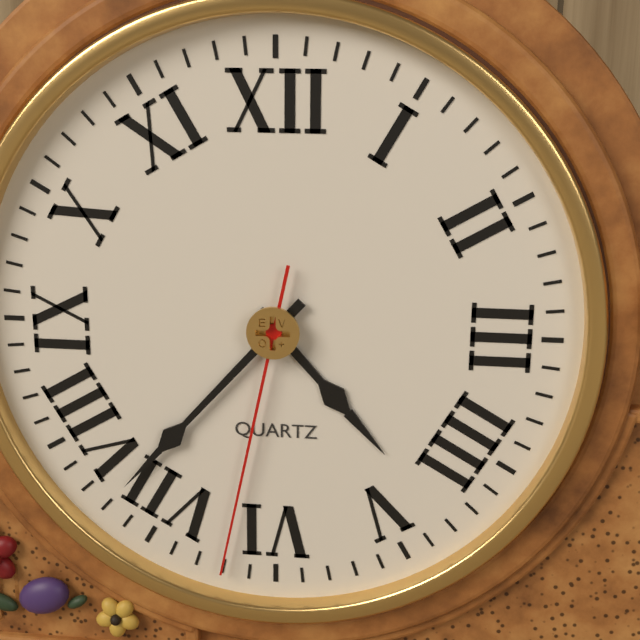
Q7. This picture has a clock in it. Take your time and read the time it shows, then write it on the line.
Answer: 4:37:32
